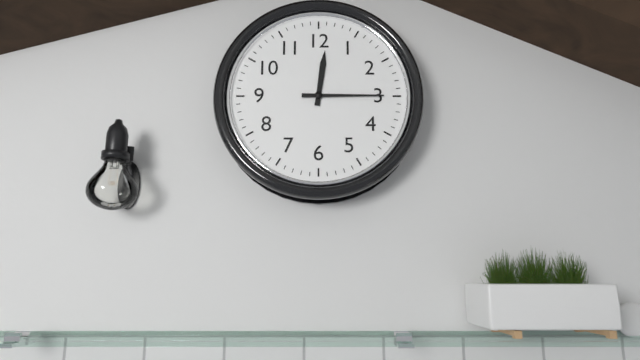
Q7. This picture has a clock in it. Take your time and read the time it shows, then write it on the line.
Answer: 12:15
